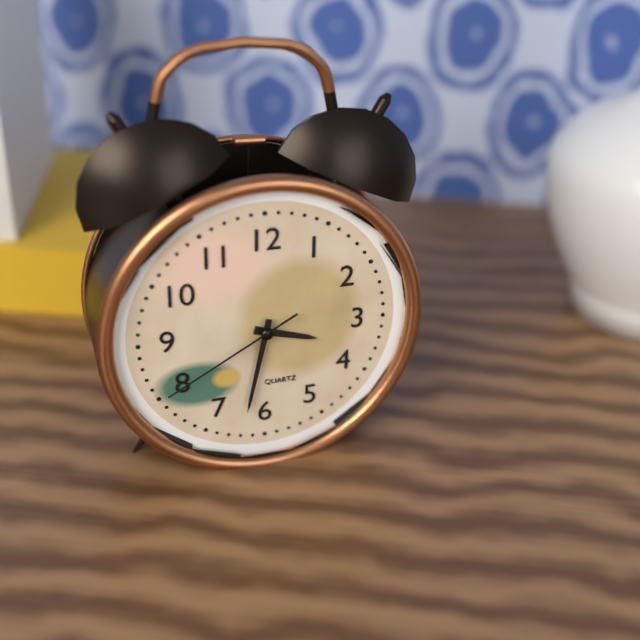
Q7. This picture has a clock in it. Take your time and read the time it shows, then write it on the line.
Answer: 3:32:40
